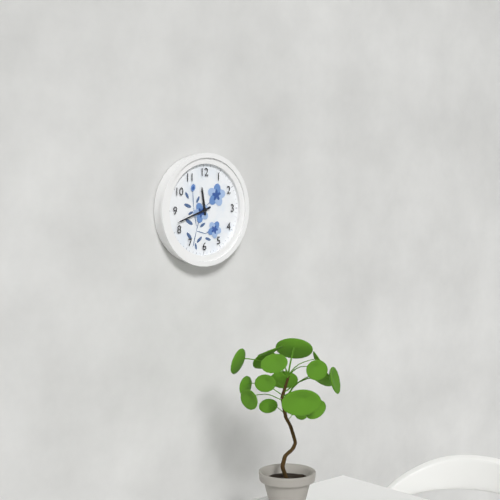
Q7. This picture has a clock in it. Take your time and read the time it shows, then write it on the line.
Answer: 11:42
